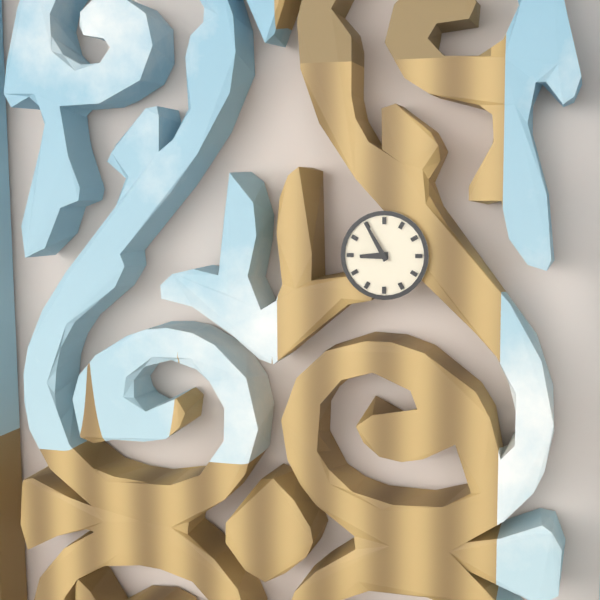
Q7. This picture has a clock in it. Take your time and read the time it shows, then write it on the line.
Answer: 8:55
